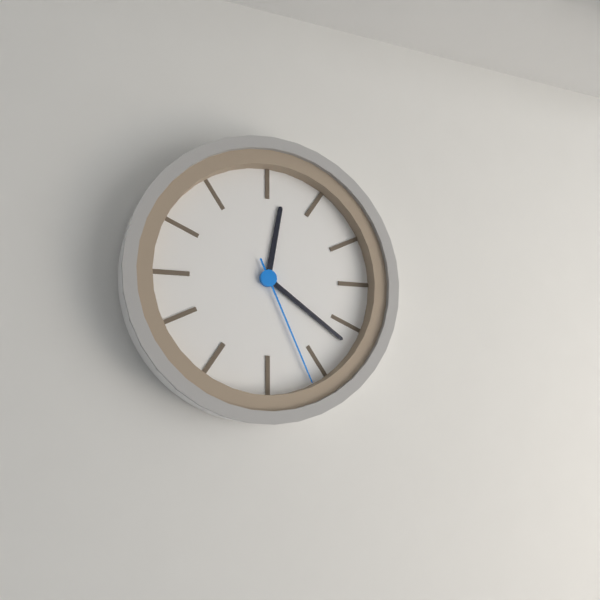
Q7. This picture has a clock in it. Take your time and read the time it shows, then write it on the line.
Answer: 12:21:26
